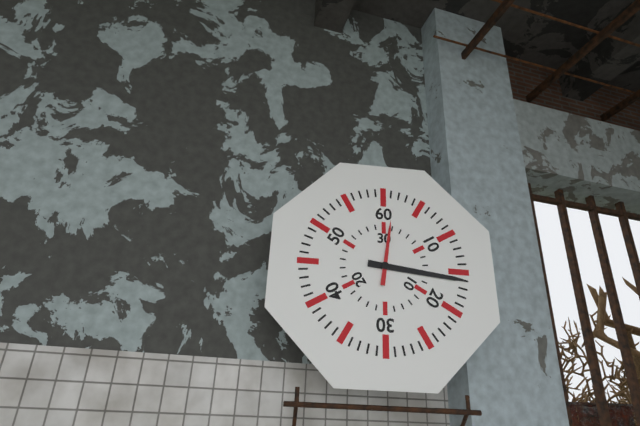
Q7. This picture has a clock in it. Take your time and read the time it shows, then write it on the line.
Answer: 12:16
